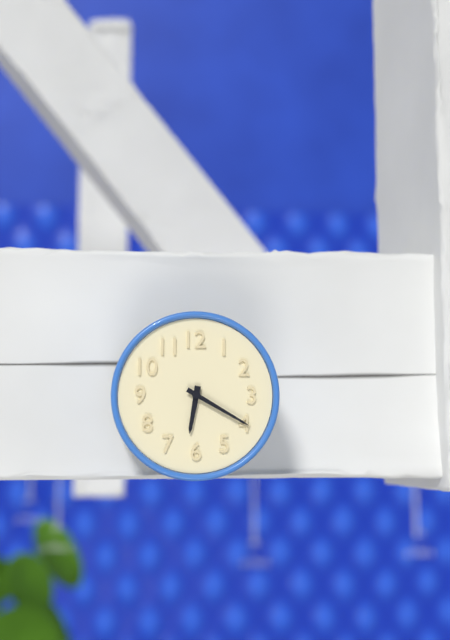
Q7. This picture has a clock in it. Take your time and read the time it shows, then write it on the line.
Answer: 6:20
